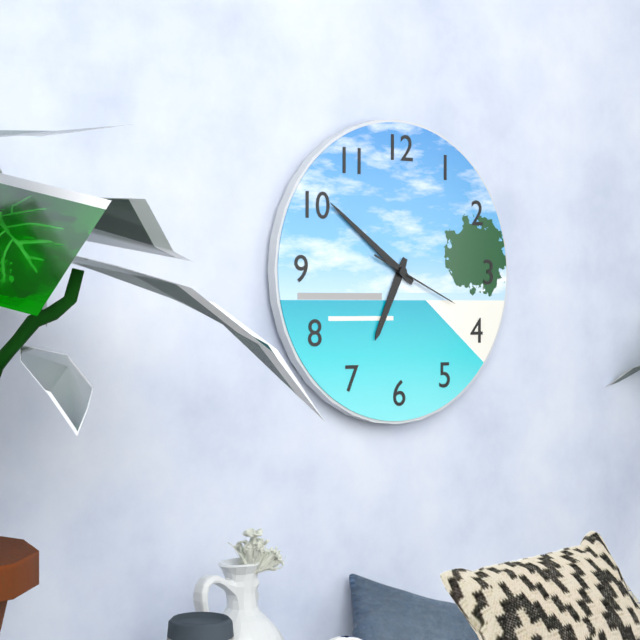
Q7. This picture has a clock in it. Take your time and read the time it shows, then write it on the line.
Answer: 6:51:19
